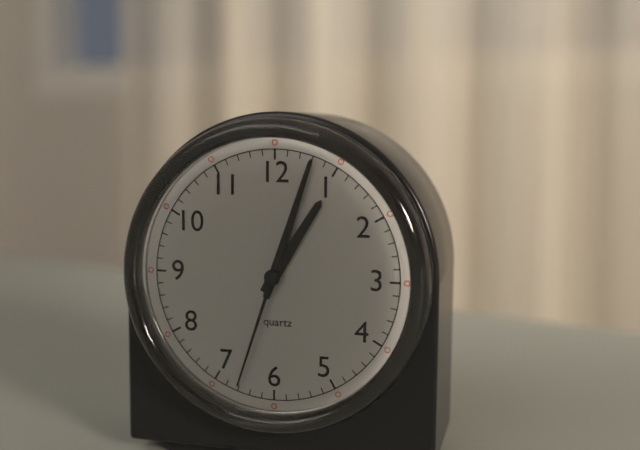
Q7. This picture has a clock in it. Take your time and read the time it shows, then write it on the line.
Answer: 1:03:33
